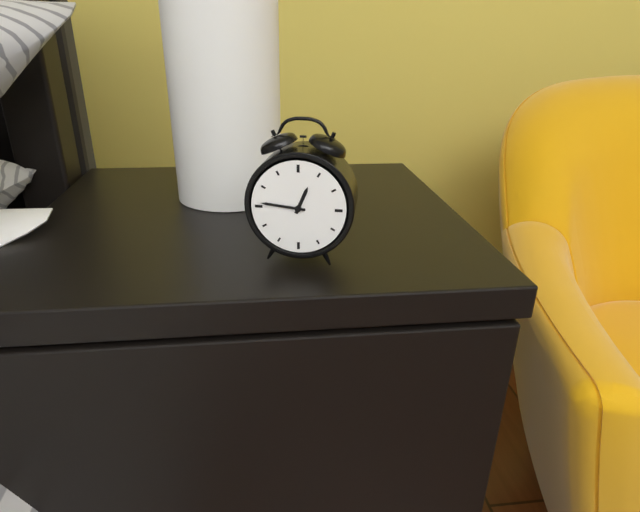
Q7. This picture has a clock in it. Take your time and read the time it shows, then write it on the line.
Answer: 12:46
